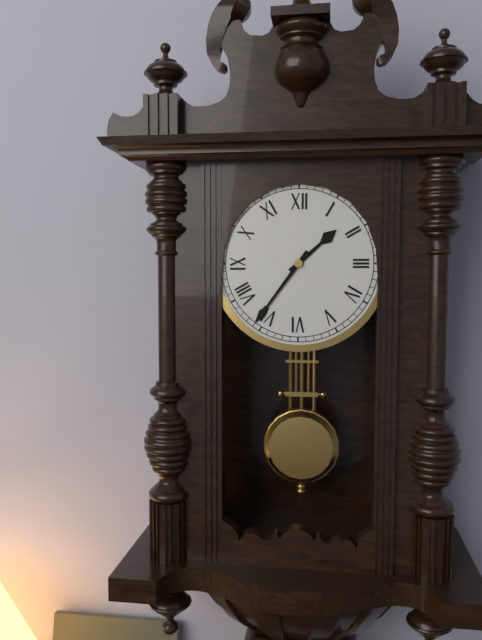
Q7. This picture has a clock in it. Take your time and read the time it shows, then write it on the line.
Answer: 1:36
